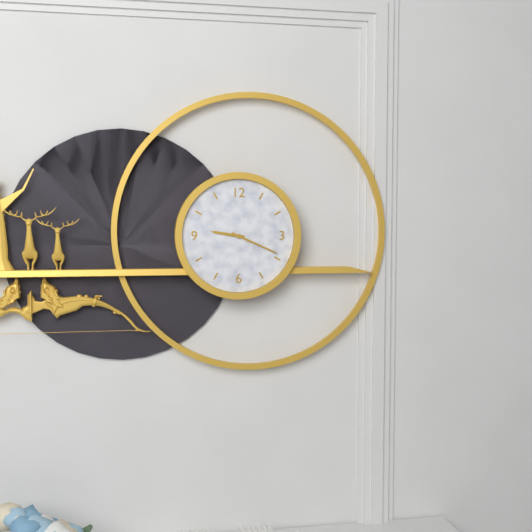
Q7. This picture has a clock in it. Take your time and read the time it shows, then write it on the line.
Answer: 9:19
